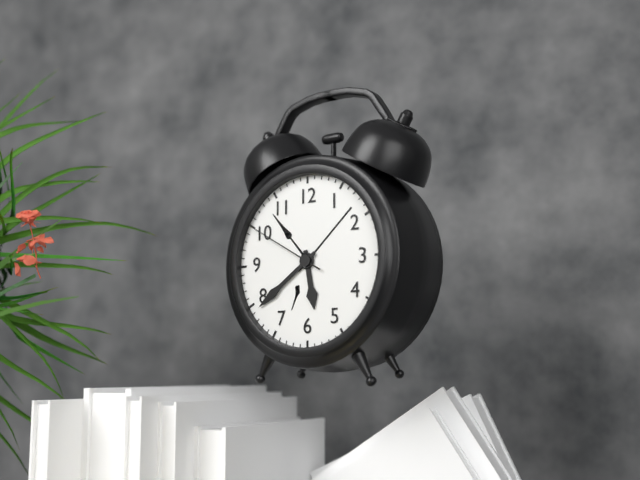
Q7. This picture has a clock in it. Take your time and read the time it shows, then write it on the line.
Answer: 5:39:50
